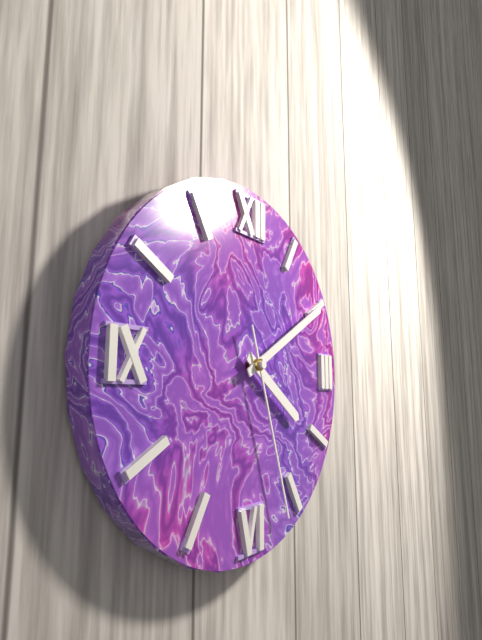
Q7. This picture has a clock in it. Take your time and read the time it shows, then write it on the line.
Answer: 4:10:27
